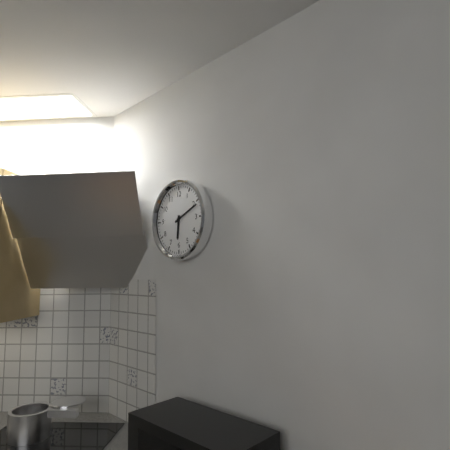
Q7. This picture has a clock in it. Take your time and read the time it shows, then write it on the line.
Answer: 6:11
